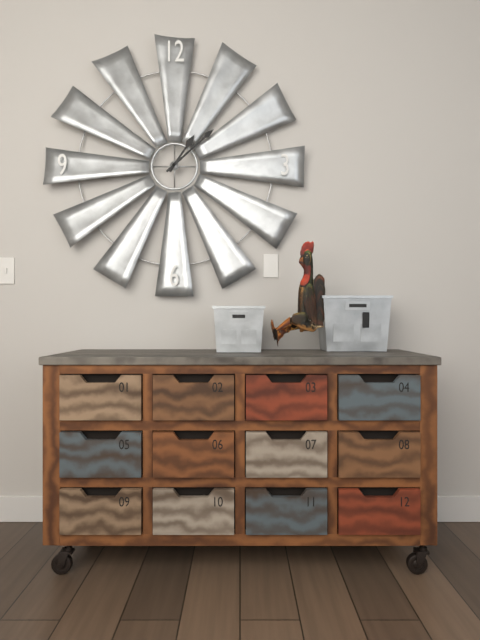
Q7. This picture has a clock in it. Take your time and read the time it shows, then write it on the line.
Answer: 1:08
